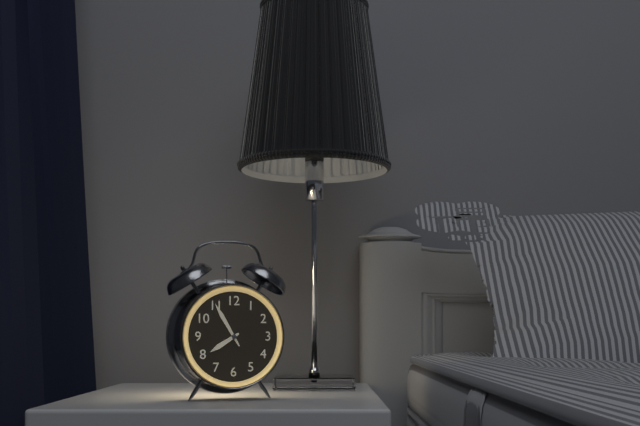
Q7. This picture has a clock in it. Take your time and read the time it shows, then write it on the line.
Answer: 7:55
